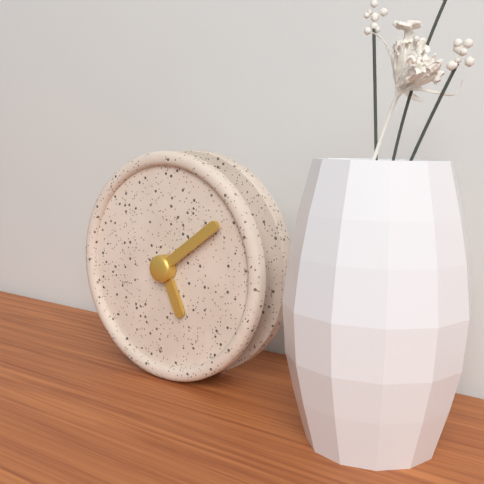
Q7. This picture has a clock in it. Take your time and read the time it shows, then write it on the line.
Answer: 5:09
